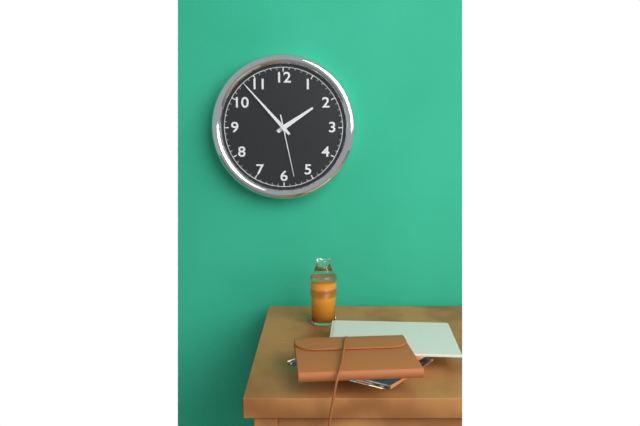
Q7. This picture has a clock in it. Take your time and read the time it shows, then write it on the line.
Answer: 1:53:28
